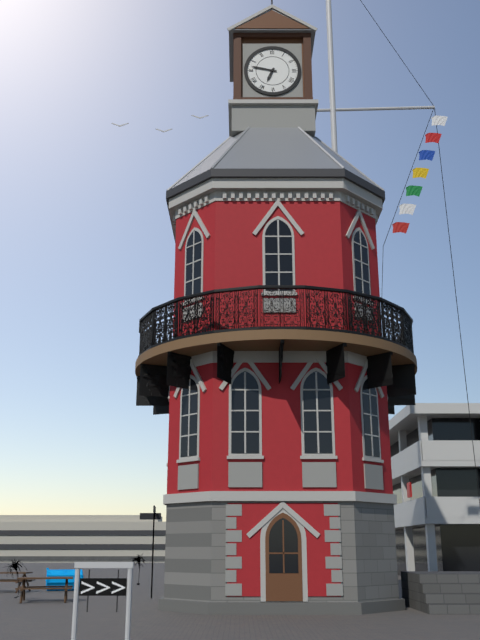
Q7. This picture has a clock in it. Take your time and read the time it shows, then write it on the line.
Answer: 6:47
